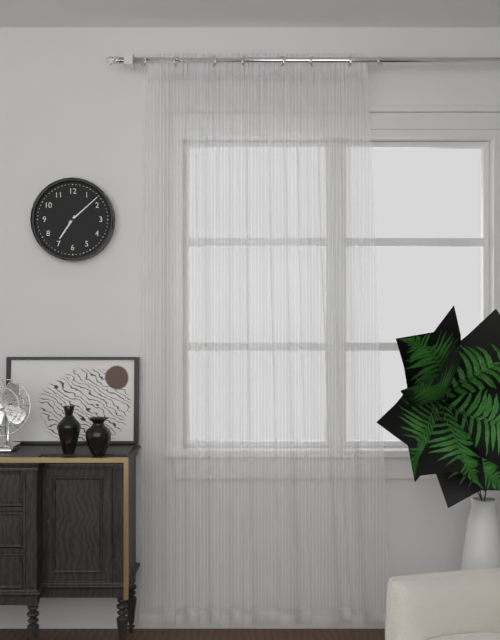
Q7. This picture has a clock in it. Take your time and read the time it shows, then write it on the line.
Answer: 7:08
